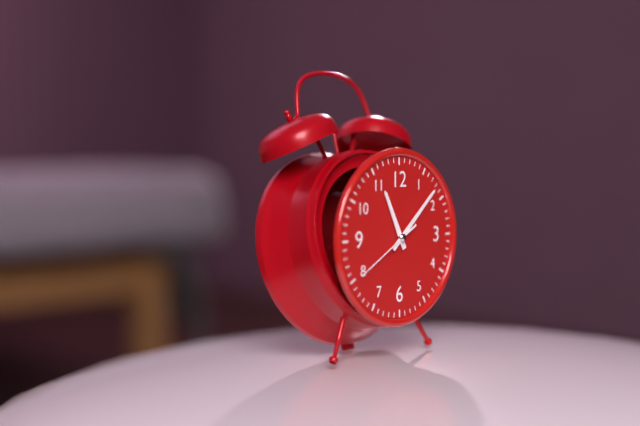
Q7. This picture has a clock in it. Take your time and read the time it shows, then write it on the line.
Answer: 11:08:40
